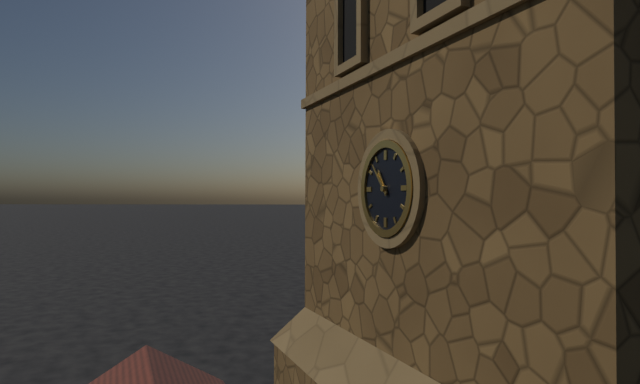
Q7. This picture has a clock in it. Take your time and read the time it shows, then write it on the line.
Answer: 10:53
